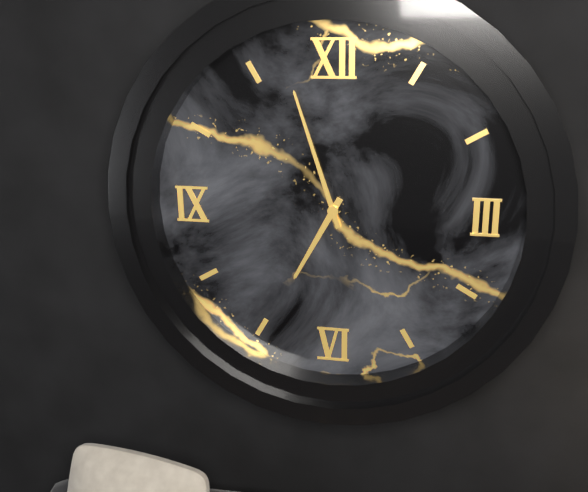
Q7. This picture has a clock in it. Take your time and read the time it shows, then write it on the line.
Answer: 6:57
